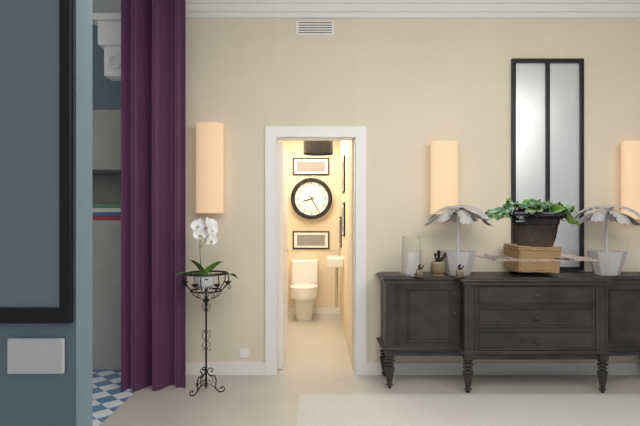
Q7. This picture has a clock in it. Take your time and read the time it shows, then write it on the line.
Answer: 8:25
